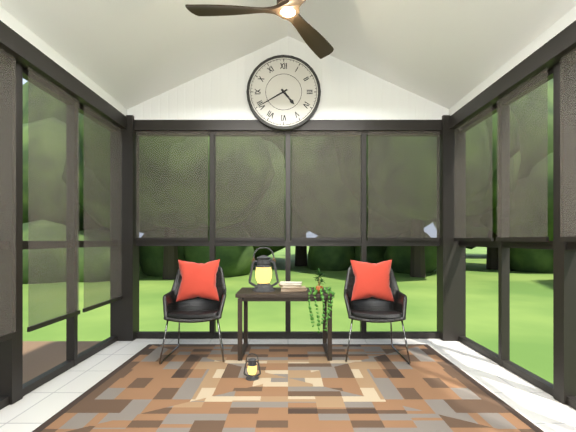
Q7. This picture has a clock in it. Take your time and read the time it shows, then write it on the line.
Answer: 4:40
